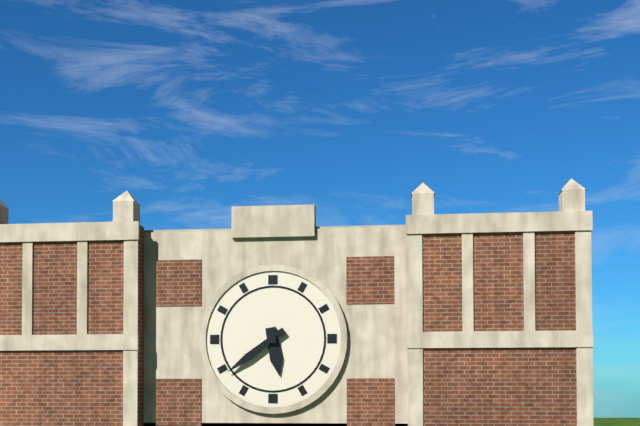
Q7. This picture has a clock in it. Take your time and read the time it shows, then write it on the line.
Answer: 5:39
